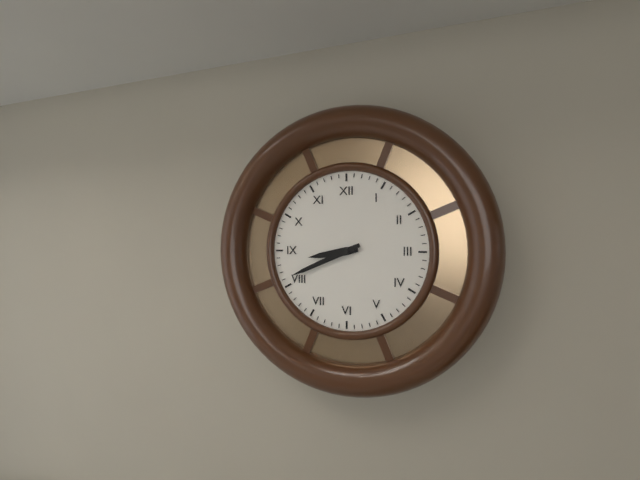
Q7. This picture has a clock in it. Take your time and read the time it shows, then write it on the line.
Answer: 8:41
